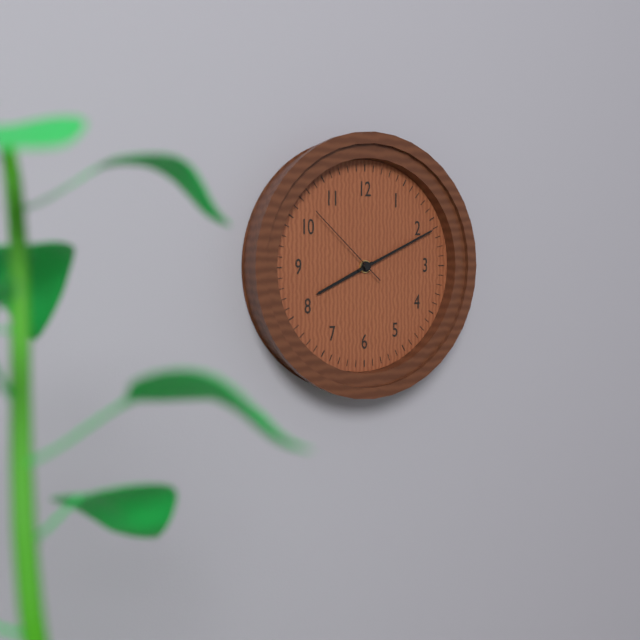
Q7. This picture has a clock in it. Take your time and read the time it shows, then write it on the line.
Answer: 8:11:52
